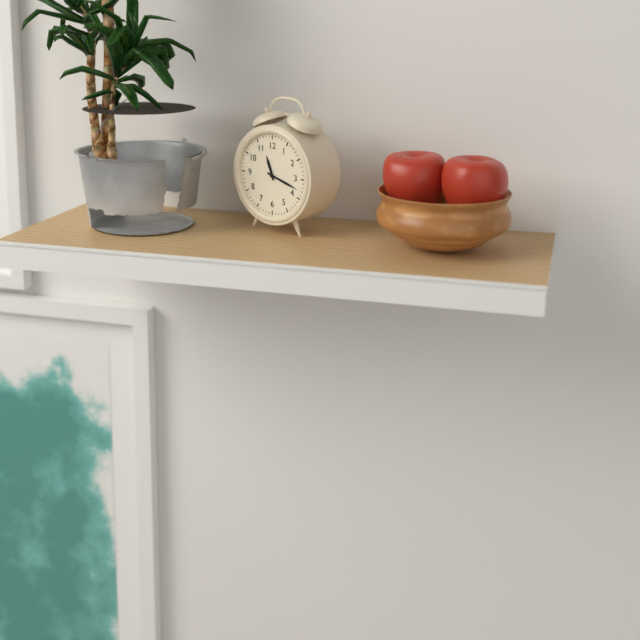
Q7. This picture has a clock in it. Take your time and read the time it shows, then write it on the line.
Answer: 11:18
